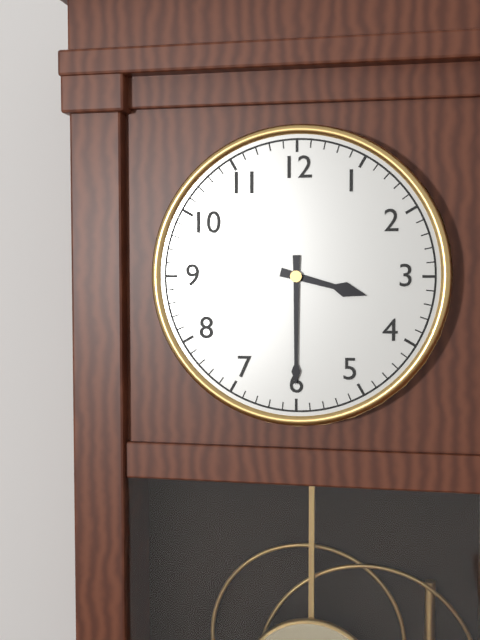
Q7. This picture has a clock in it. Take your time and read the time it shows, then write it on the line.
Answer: 3:30
